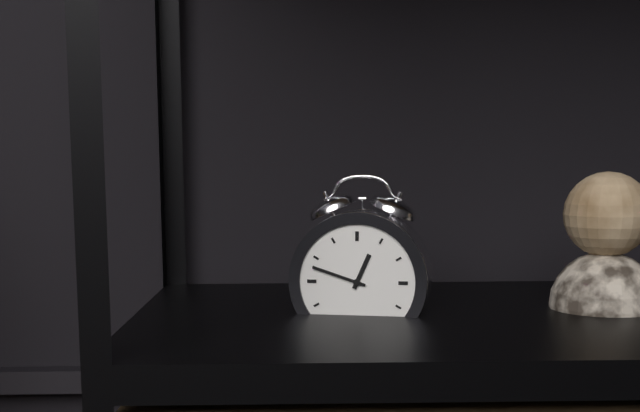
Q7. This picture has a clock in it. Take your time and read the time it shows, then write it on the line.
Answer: 12:48
